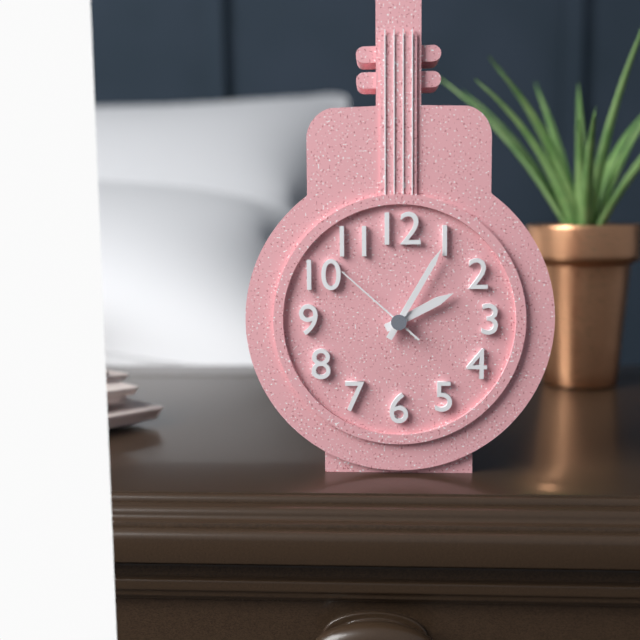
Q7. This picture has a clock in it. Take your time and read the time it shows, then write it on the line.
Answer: 2:05:52
